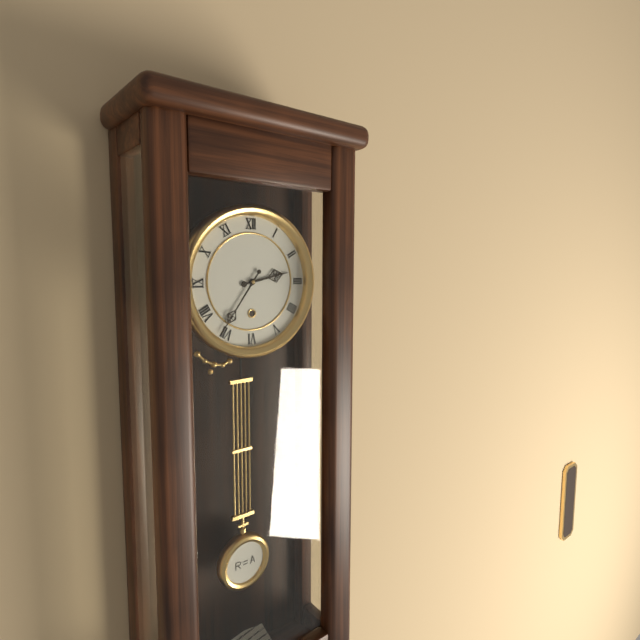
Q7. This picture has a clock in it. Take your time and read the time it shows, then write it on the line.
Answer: 2:36
